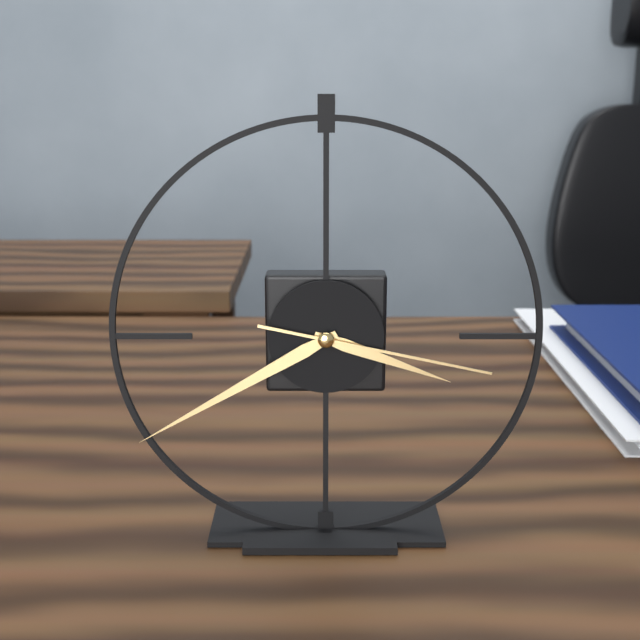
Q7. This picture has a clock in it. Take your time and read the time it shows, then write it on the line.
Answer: 3:40:17
